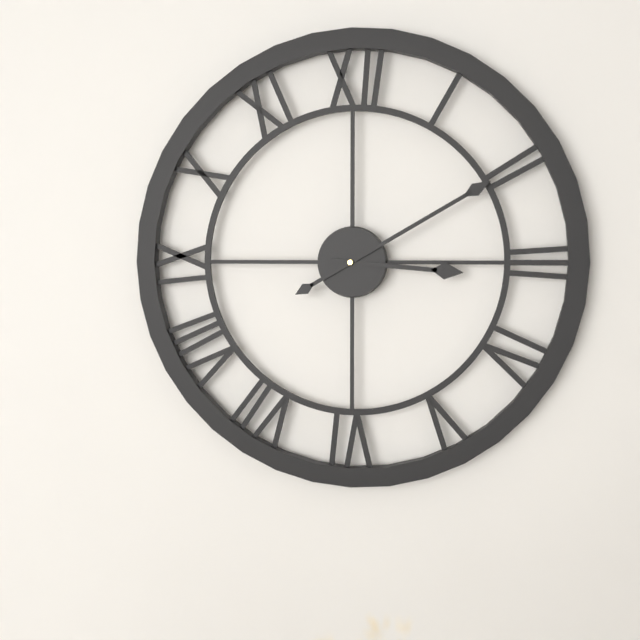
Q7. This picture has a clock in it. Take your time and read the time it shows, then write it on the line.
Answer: 3:10
